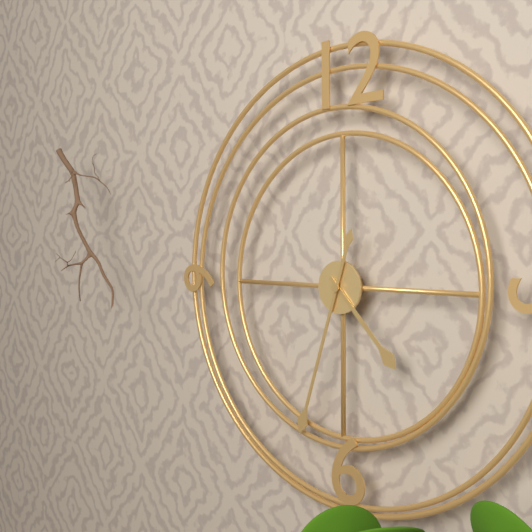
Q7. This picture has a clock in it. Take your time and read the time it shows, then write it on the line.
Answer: 4:33
